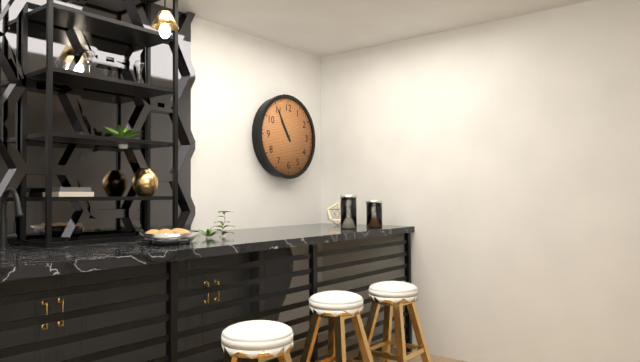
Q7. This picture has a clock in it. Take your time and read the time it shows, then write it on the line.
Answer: 10:55
